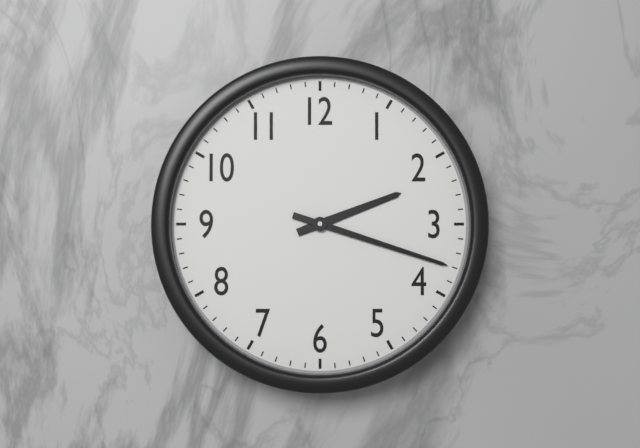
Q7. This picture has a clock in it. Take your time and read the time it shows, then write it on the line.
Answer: 2:18
